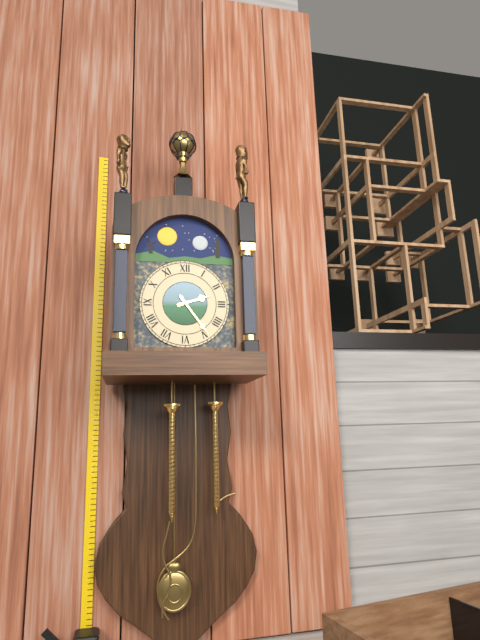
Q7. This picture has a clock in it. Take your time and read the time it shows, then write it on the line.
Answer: 2:24
